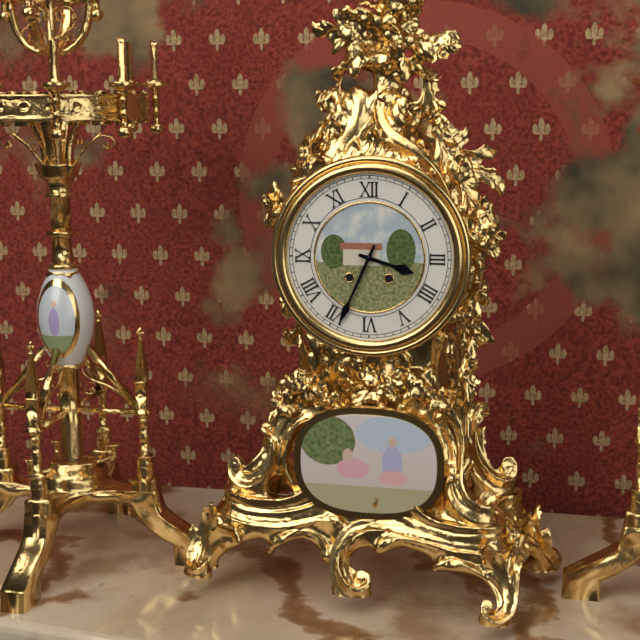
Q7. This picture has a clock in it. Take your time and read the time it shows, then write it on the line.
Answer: 3:34
